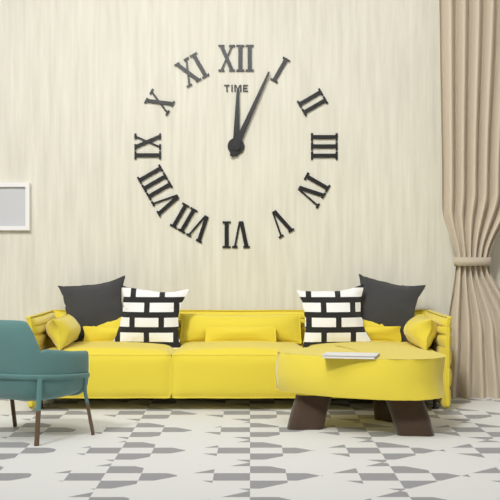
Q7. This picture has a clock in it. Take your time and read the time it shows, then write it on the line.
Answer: 12:04
